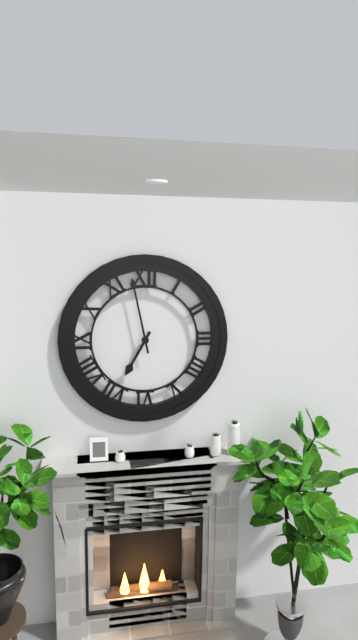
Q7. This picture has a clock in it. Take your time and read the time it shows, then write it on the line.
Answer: 6:58
